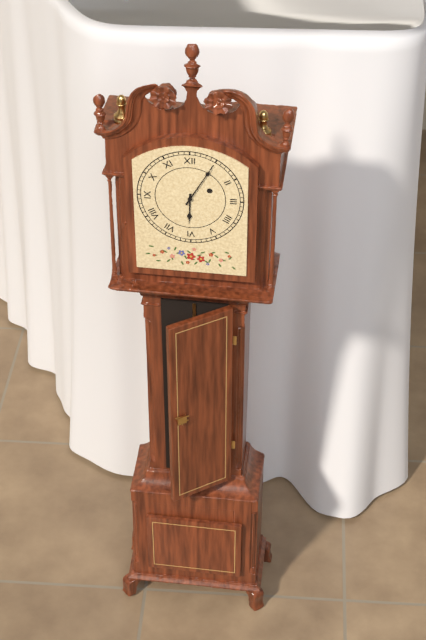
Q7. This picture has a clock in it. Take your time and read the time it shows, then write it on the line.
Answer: 6:05
